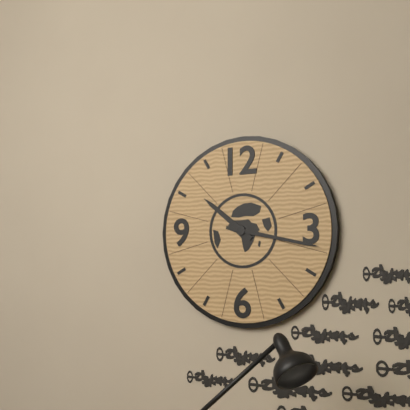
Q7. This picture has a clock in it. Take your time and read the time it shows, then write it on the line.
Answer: 10:17
